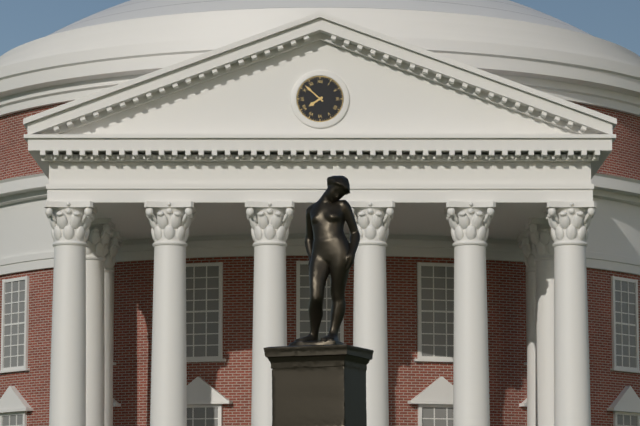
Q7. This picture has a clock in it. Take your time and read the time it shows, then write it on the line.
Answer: 7:52
